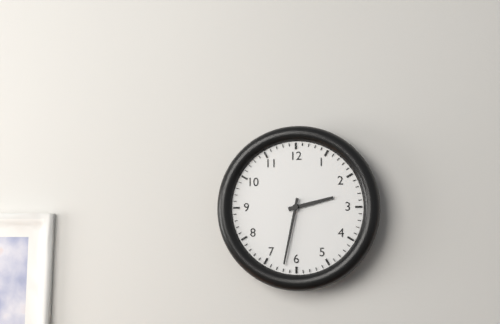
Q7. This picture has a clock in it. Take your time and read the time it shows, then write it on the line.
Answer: 2:32
